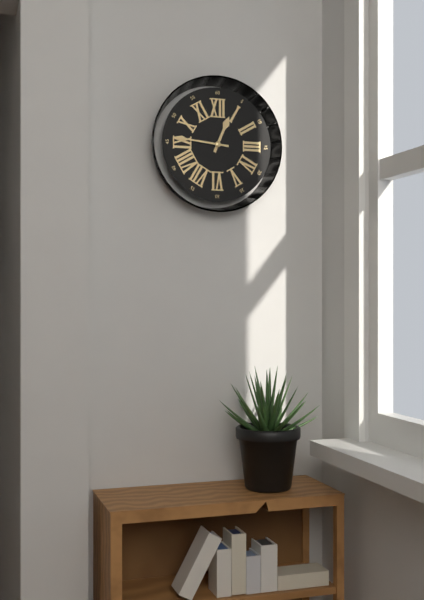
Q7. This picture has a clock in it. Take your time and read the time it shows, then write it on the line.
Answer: 12:46
